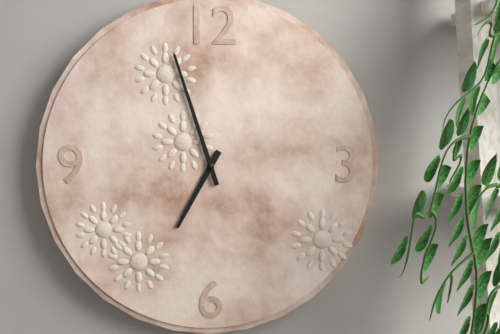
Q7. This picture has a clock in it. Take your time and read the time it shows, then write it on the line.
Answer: 6:57
